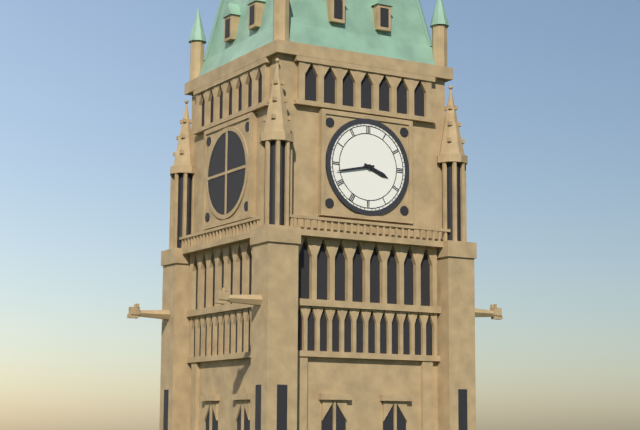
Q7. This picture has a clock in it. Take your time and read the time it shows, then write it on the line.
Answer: 3:43
